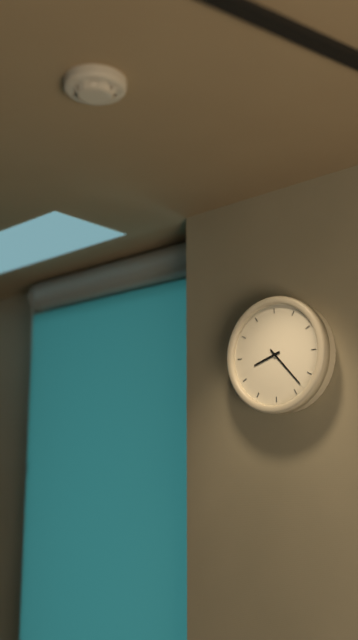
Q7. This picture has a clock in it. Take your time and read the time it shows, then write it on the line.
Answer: 8:23
